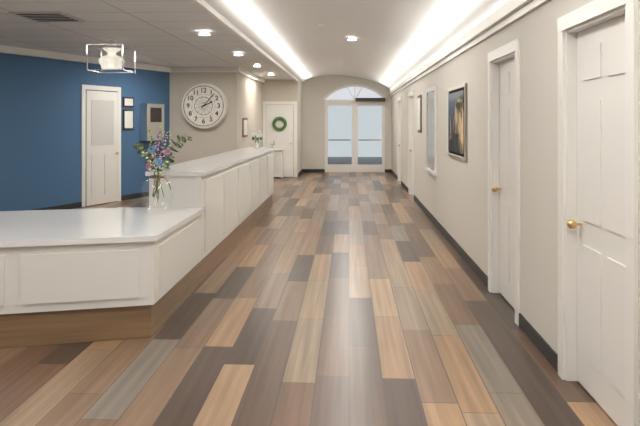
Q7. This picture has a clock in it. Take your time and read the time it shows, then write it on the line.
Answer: 2:07
